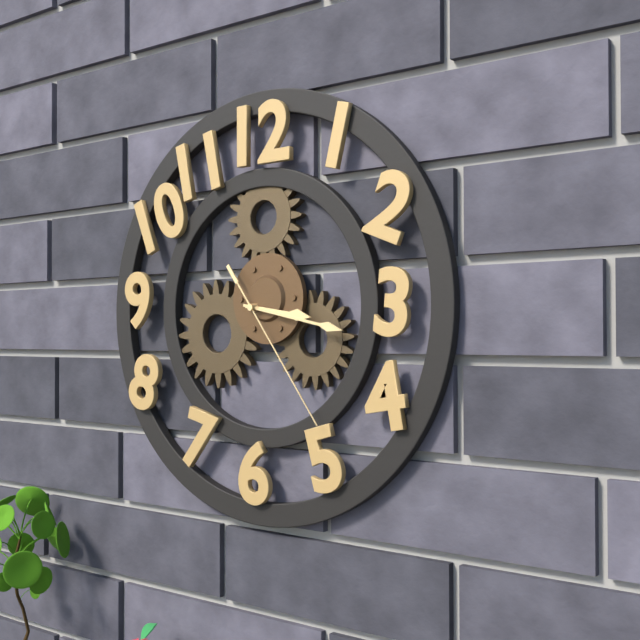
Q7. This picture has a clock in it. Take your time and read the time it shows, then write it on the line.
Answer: 3:17:24
